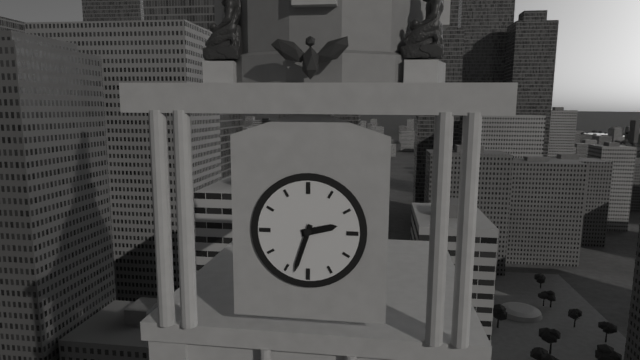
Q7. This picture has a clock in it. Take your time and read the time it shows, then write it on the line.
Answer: 2:33
